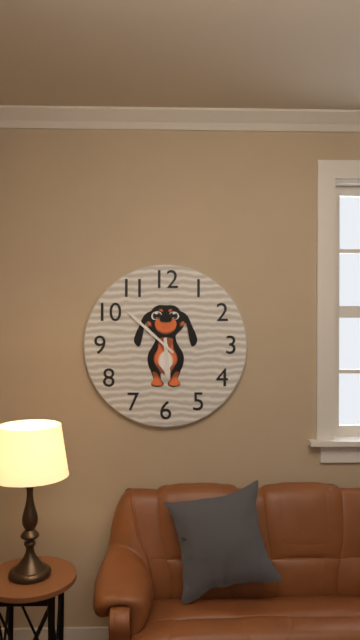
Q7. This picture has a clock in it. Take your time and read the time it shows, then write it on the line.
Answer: 5:52
